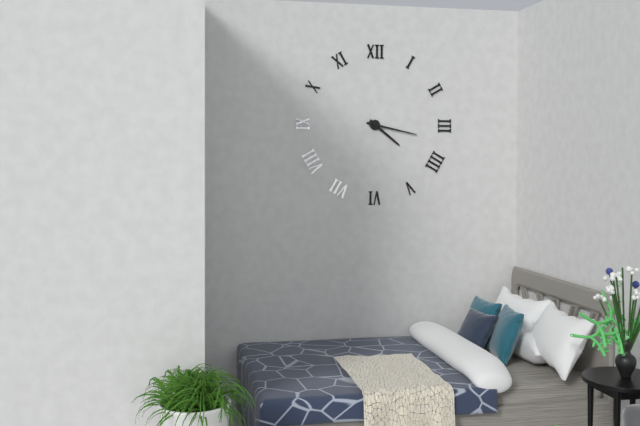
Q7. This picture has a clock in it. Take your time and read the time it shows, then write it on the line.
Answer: 4:17
